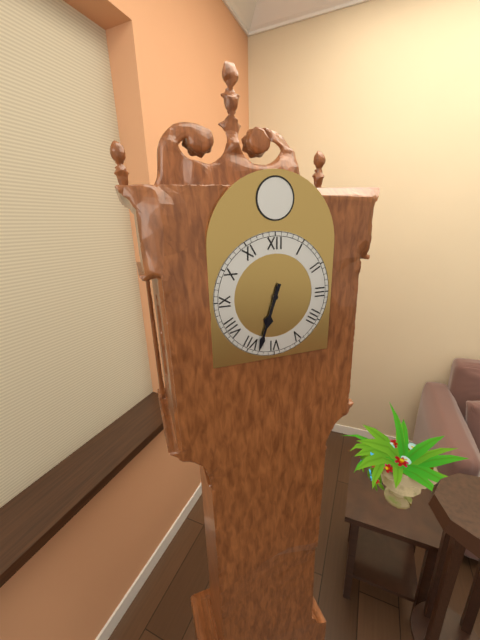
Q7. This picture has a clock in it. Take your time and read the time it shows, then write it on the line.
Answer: 6:33
